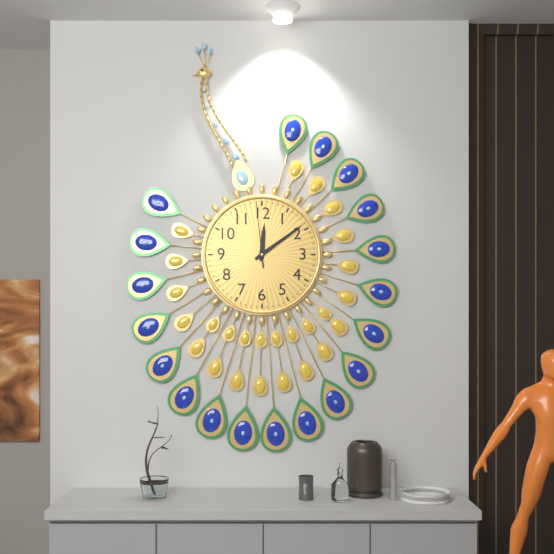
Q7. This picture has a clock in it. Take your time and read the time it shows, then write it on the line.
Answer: 12:09:59
